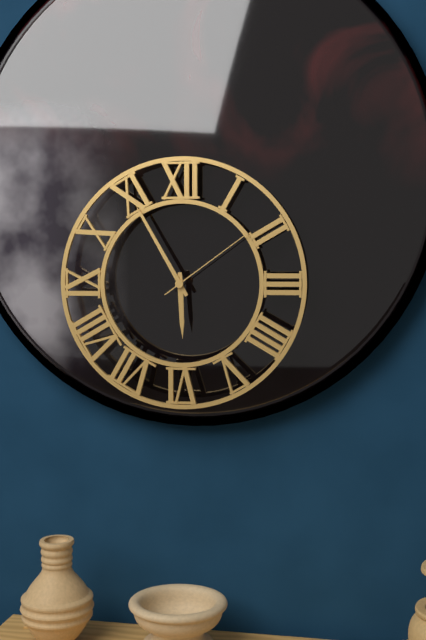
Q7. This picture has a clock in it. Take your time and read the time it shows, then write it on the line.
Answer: 5:55:09
